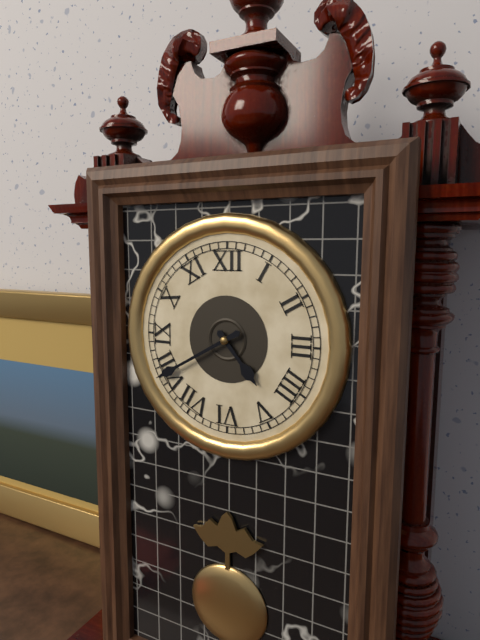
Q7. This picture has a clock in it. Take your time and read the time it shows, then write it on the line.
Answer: 4:40
